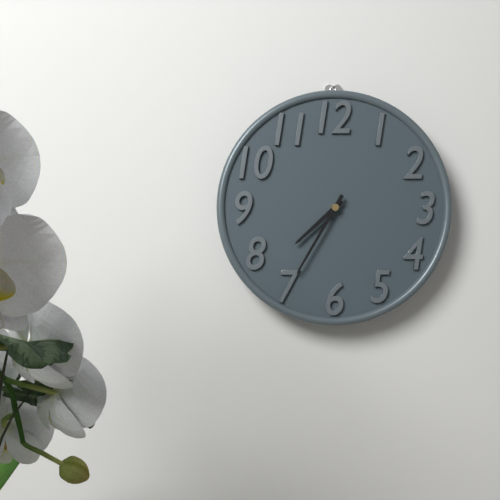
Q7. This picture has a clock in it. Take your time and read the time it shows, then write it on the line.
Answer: 7:35
